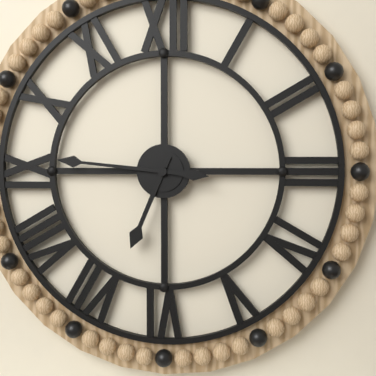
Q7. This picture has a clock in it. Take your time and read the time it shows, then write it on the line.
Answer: 6:46
